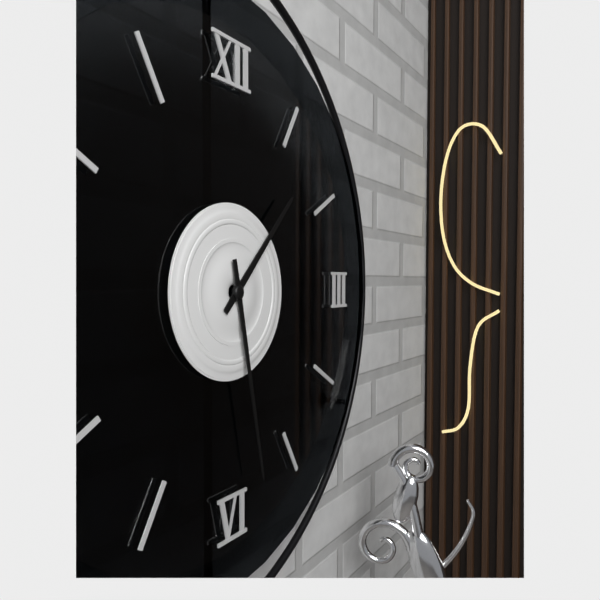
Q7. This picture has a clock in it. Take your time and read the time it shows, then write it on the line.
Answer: 1:28
